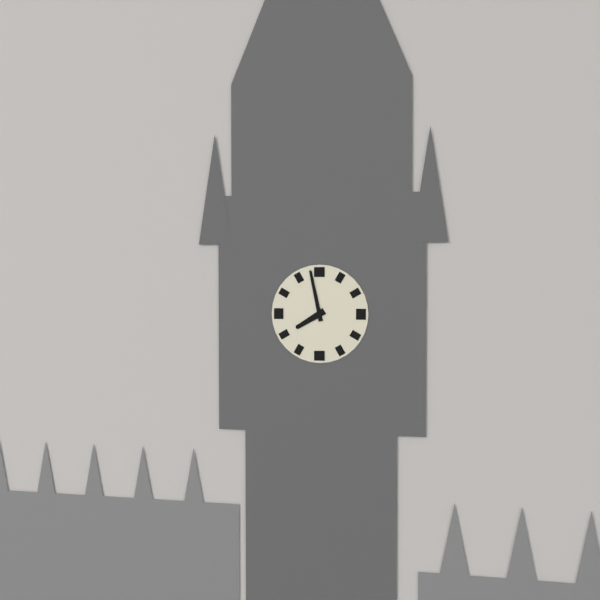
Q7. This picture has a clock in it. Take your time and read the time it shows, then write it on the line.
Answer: 7:58
